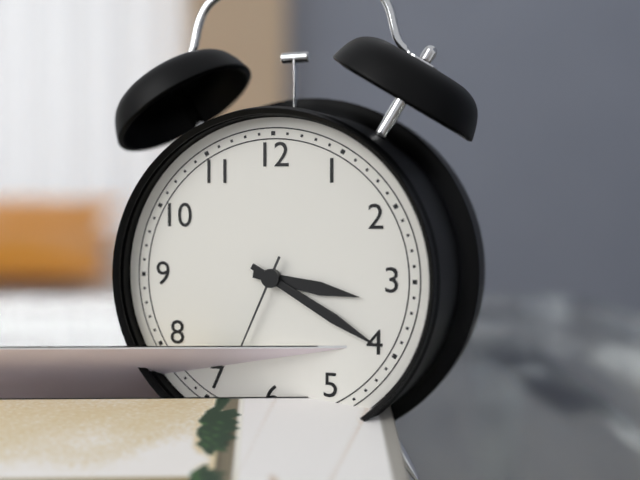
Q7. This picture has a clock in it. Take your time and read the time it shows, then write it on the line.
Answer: 3:20:34
